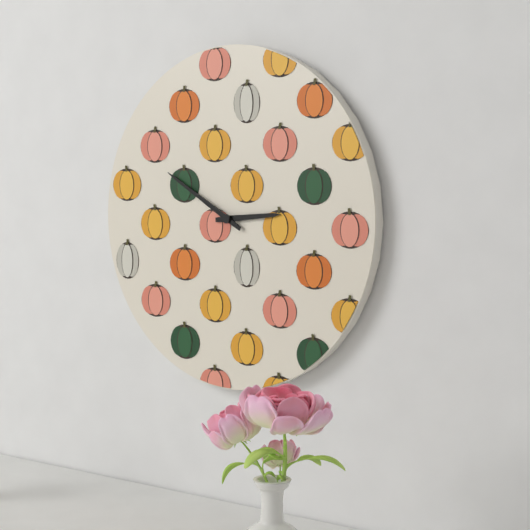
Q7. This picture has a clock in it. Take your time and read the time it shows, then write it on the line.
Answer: 2:50
